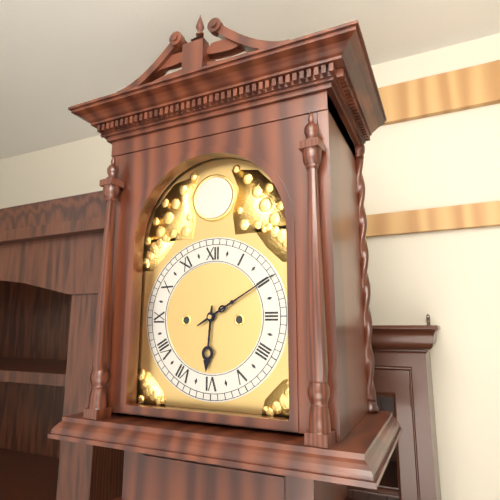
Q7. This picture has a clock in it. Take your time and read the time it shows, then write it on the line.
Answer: 6:10
